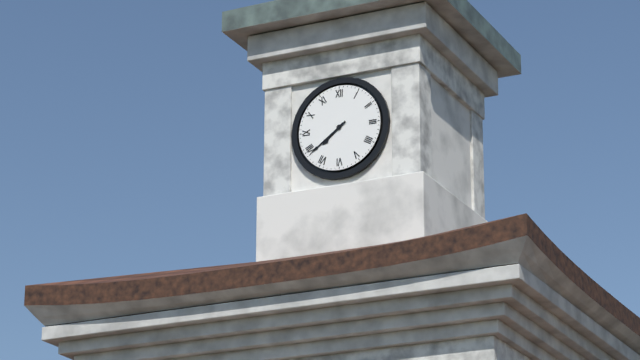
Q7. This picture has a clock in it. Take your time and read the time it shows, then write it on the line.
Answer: 7:39
